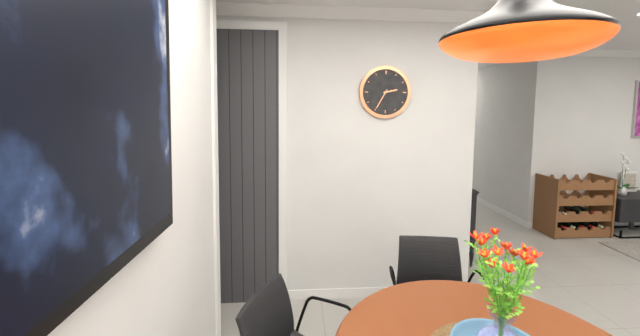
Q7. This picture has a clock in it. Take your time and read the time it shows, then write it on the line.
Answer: 2:35
